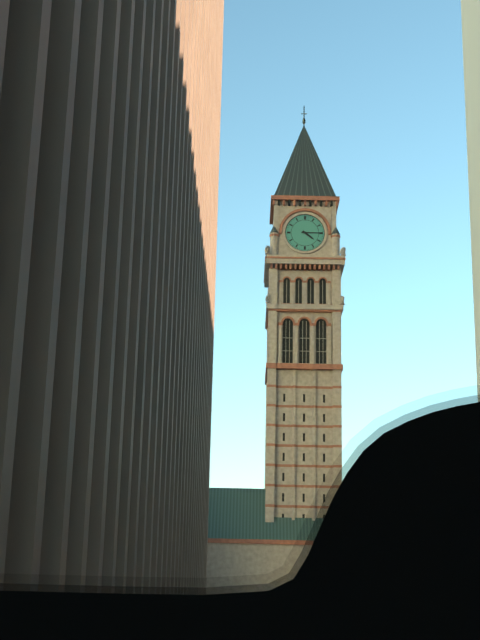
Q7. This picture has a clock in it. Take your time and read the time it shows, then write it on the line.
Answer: 4:15
